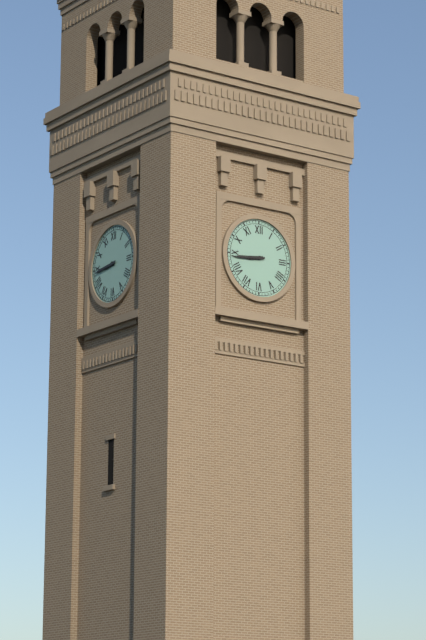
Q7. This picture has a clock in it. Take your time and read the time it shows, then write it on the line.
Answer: 8:44
